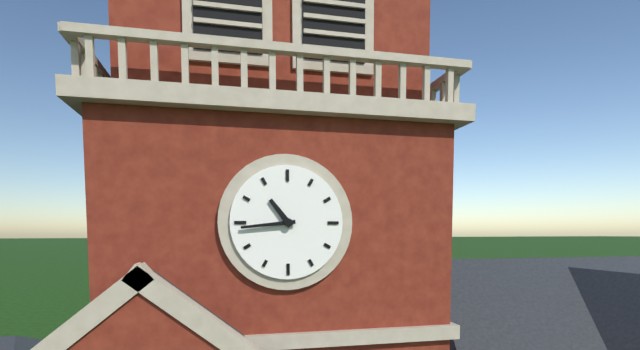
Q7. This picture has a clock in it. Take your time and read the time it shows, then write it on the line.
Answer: 10:44
